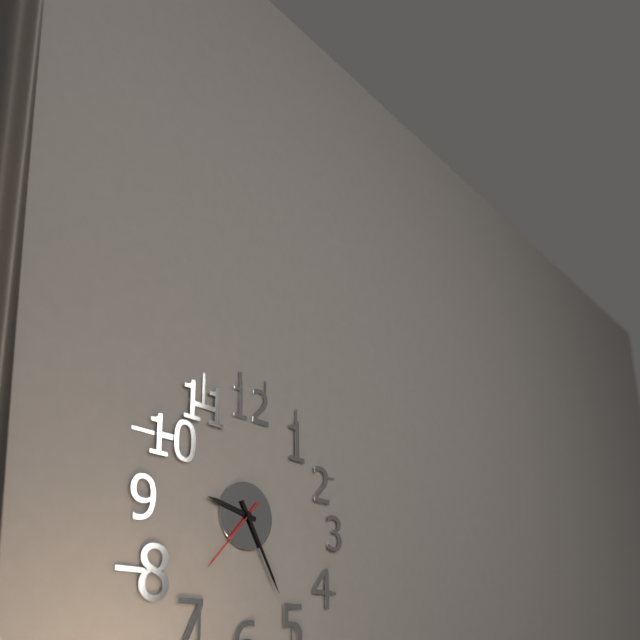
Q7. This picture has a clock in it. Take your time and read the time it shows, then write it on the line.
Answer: 9:25:37
